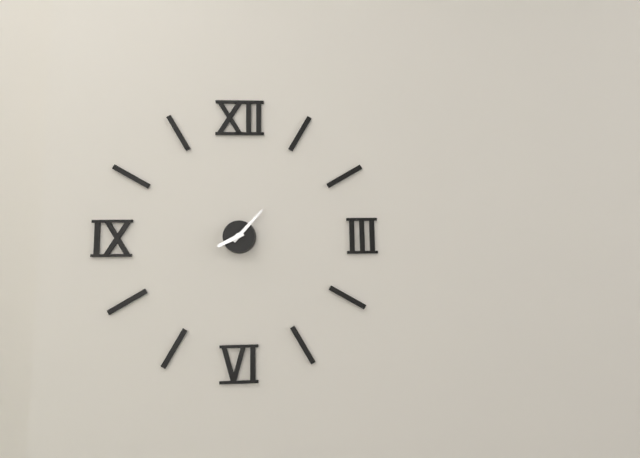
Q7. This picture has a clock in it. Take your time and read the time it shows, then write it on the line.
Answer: 8:07
